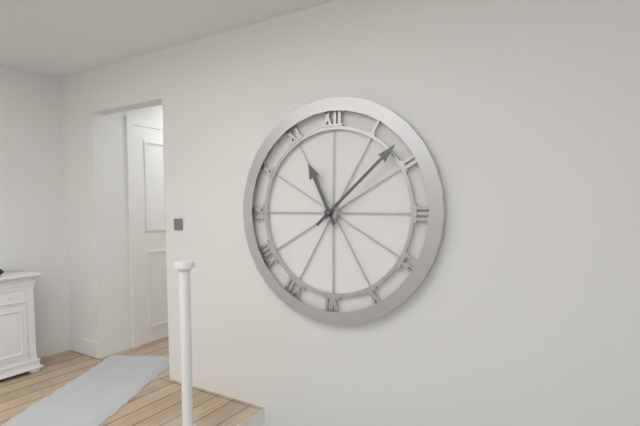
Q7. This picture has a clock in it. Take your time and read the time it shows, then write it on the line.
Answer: 11:08
